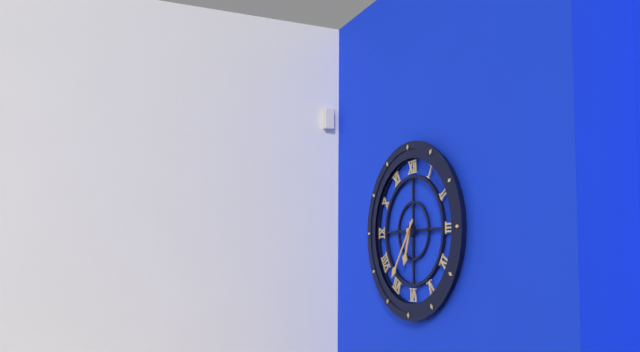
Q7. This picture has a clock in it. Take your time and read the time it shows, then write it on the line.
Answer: 6:36
